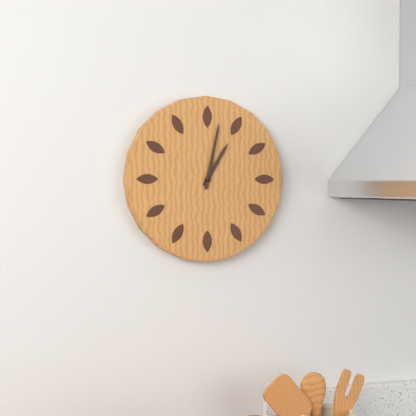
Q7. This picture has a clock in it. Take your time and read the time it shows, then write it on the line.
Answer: 1:02
